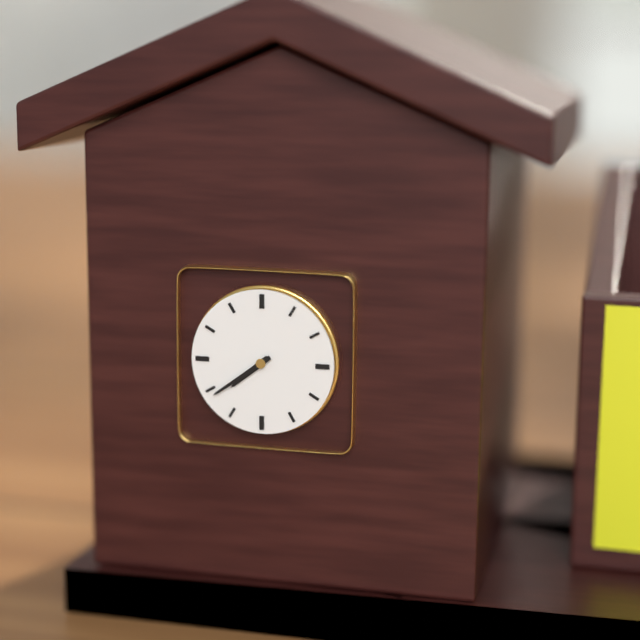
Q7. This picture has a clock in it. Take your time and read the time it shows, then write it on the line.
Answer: 7:39
